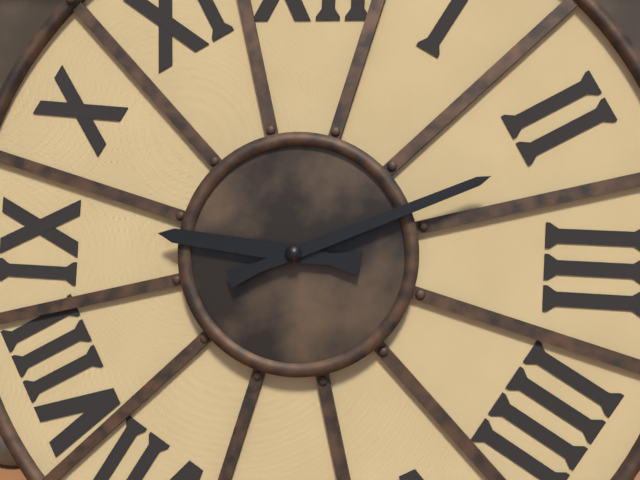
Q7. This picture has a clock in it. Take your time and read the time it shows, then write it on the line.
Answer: 9:11
